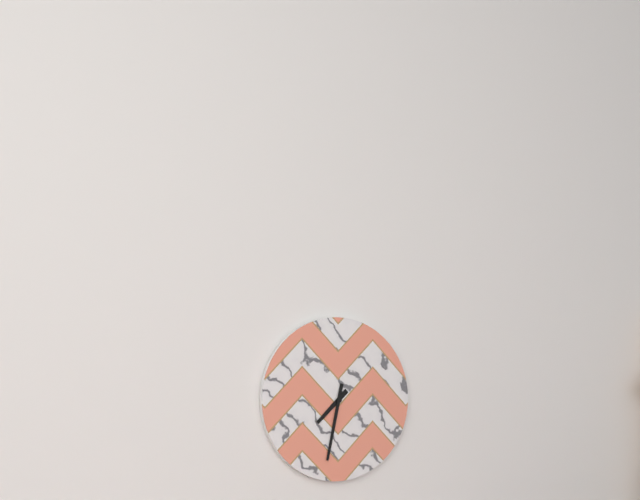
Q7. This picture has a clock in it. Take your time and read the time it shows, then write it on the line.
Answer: 7:32
